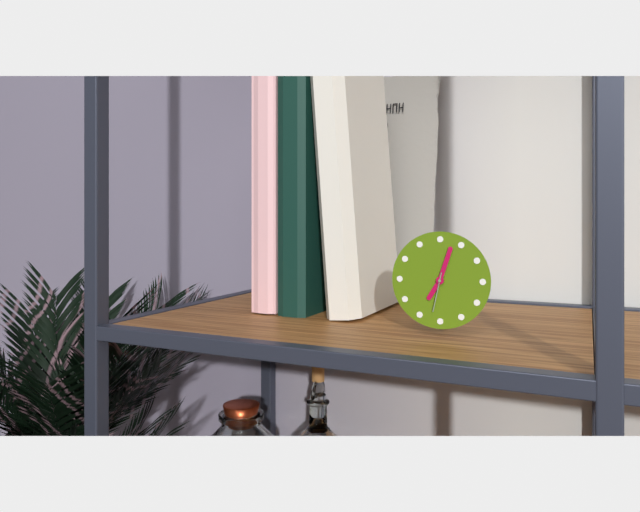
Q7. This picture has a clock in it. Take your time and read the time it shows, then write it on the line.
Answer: 7:03
